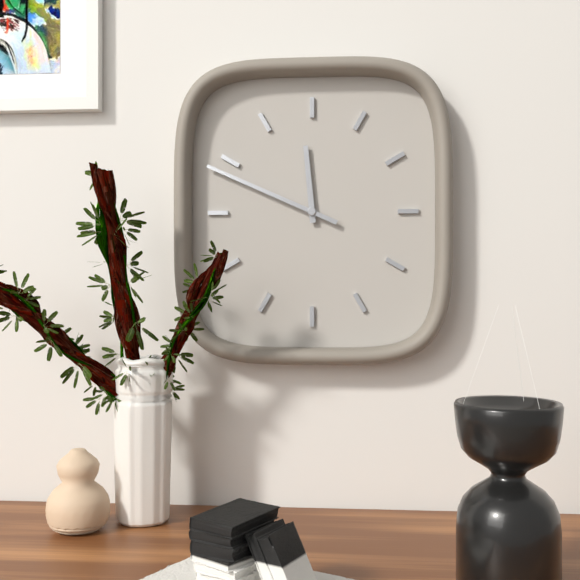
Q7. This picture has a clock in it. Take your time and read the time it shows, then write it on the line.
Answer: 11:49
